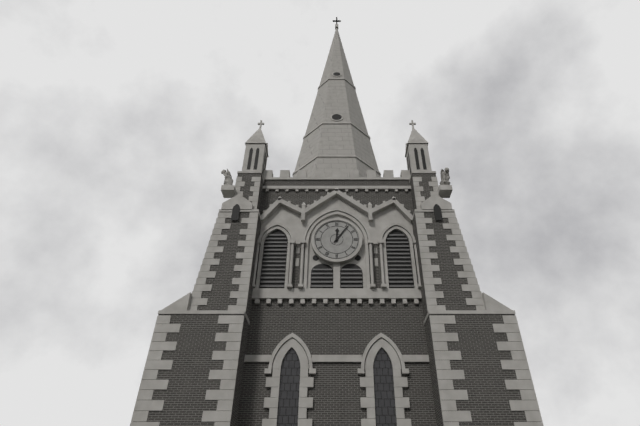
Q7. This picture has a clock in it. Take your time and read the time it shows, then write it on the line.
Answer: 12:06
